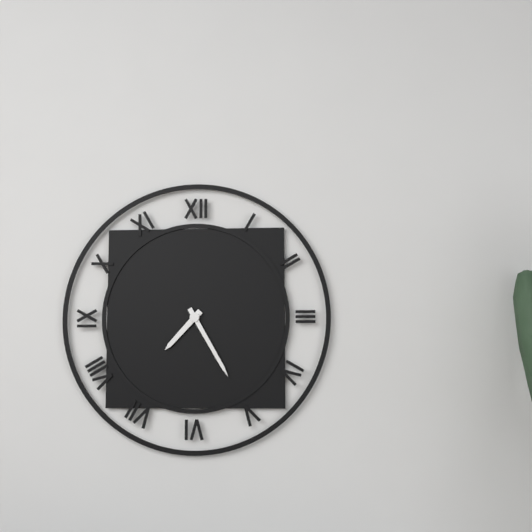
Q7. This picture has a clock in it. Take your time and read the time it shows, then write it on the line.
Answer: 7:25
